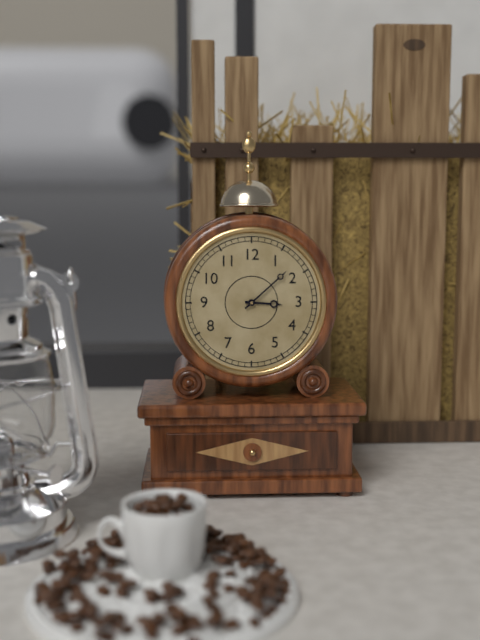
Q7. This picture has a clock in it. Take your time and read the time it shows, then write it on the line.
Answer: 3:08
